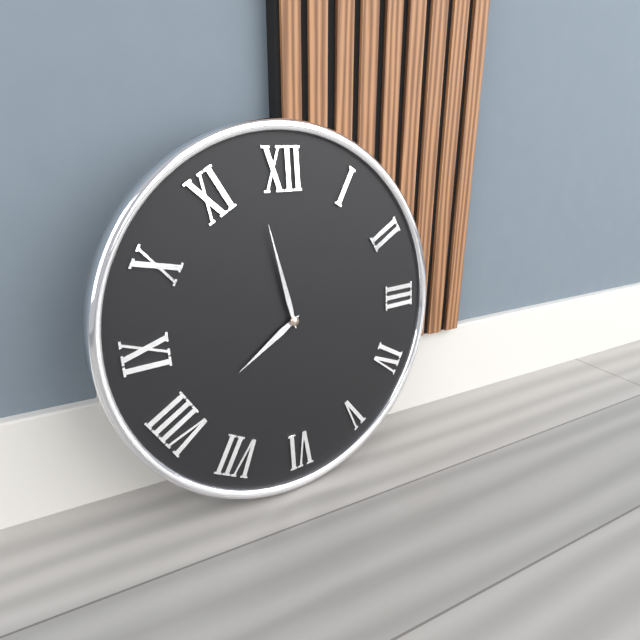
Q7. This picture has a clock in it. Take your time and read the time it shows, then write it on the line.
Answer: 7:58
